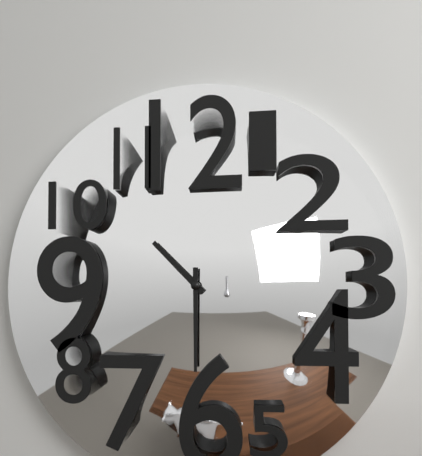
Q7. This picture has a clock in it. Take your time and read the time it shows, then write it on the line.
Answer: 10:30
